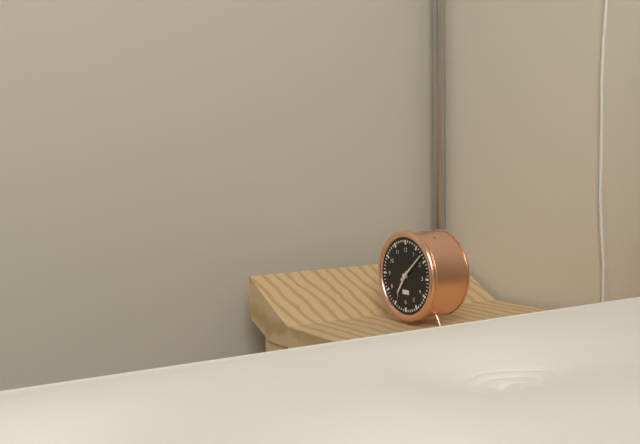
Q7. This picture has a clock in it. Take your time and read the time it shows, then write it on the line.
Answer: 7:08
